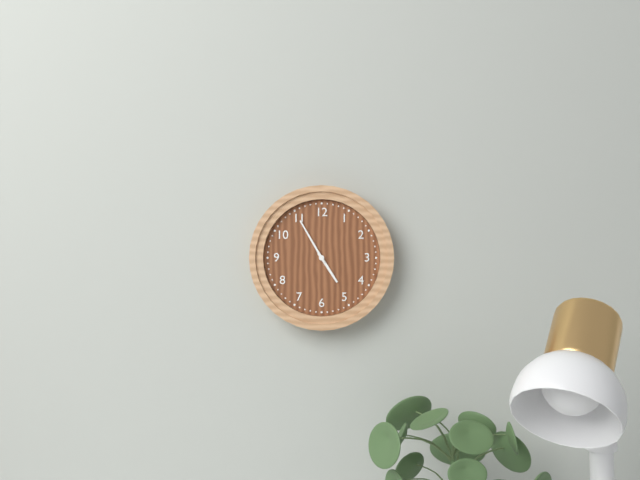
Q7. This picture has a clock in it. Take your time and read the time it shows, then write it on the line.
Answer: 4:55
